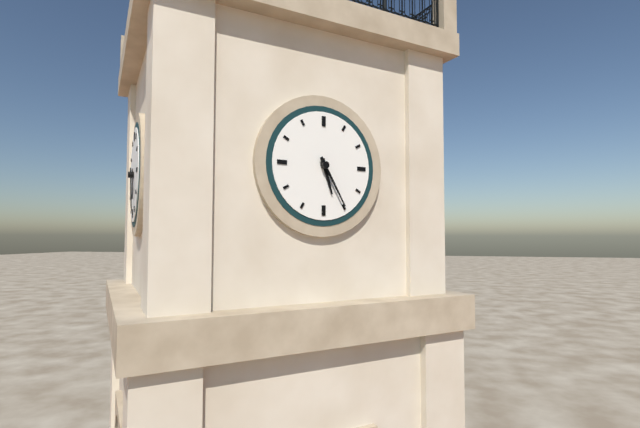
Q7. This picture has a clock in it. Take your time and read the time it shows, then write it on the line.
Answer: 5:25
